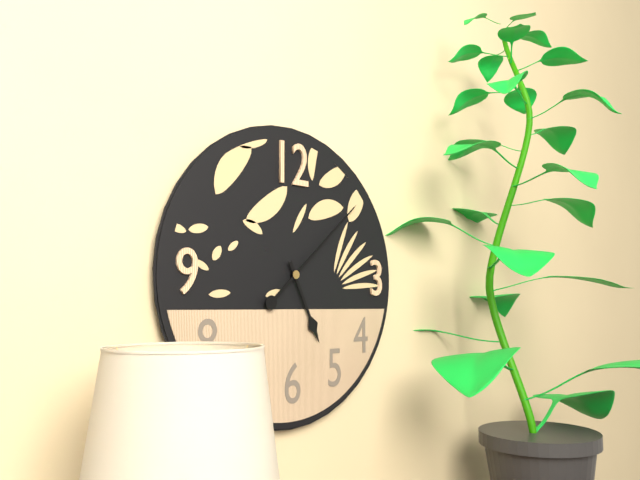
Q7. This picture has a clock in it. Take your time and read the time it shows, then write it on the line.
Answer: 5:08
